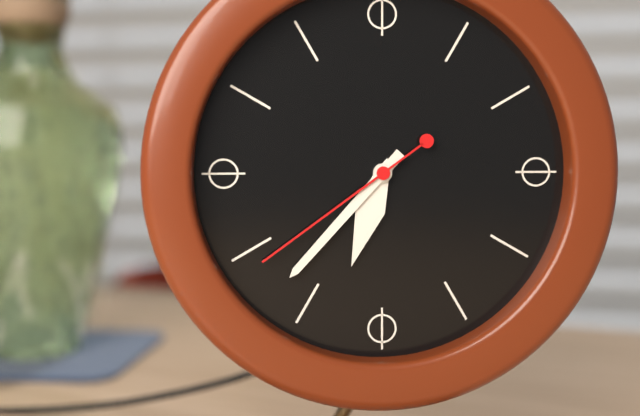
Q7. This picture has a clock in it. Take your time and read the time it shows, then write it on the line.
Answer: 6:37:39
